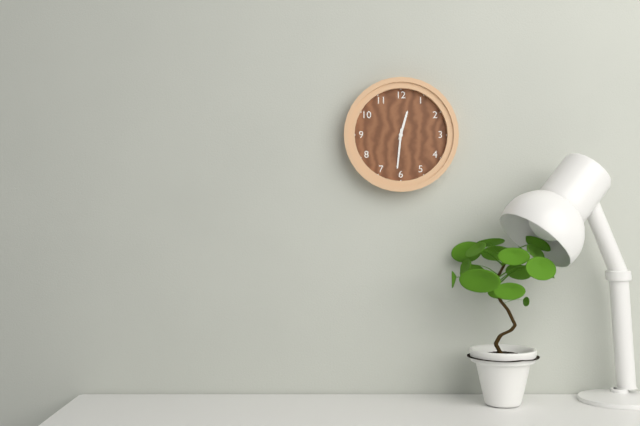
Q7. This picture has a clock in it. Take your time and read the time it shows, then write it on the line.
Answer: 12:31
